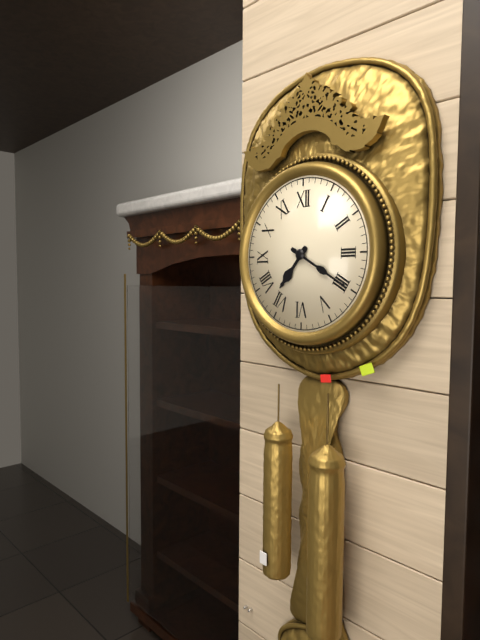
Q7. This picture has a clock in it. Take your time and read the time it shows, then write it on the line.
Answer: 7:20
